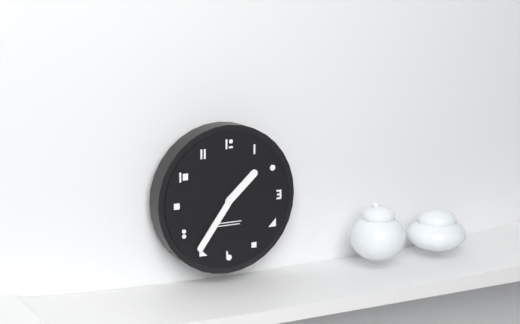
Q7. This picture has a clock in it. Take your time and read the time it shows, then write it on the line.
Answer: 1:36
